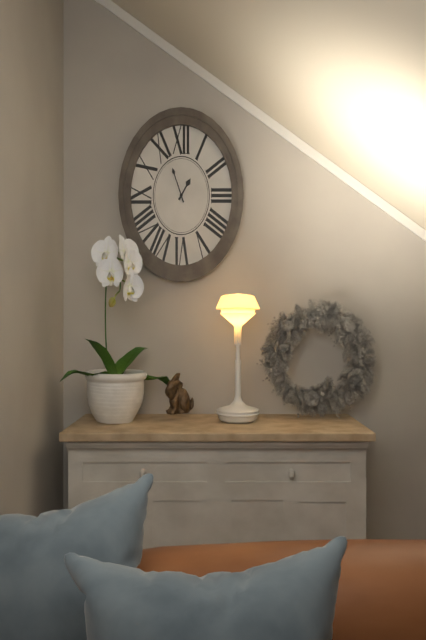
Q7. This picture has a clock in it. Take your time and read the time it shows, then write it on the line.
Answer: 12:57
